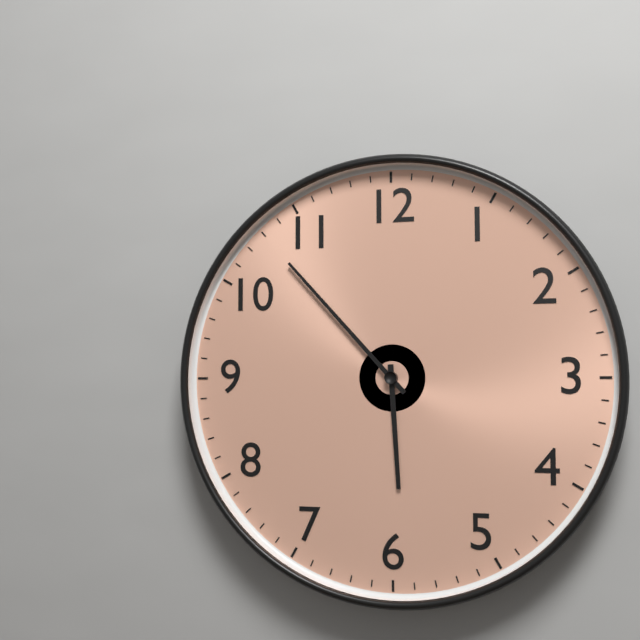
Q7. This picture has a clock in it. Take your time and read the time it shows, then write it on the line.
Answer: 5:53
